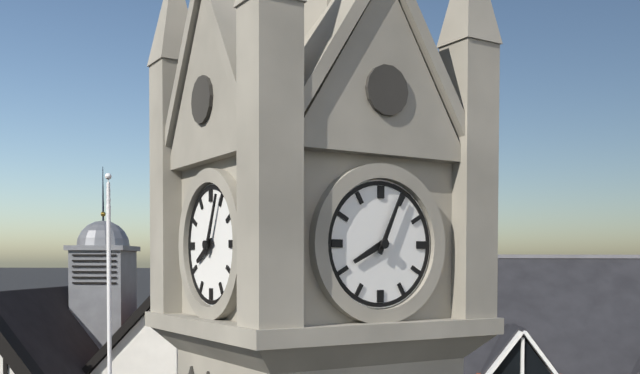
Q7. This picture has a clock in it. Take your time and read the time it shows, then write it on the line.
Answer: 8:04
